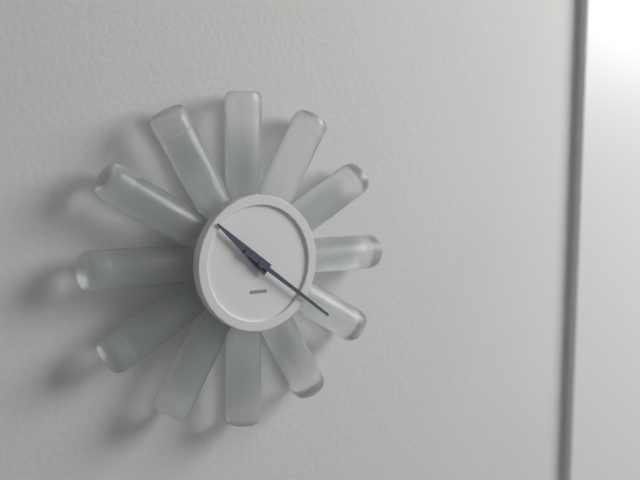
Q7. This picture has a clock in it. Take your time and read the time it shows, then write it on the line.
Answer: 10:21
